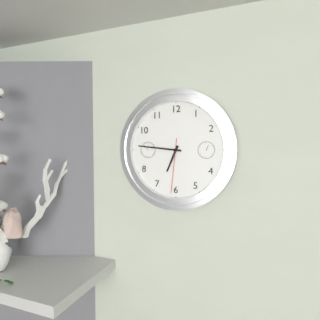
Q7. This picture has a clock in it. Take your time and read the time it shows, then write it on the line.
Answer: 6:46:31
